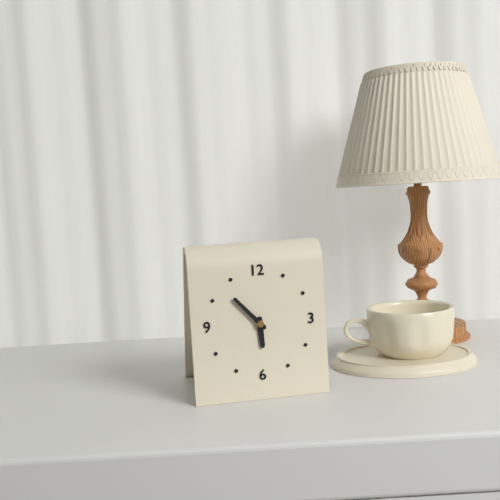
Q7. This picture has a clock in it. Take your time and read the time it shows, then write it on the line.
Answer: 5:53
